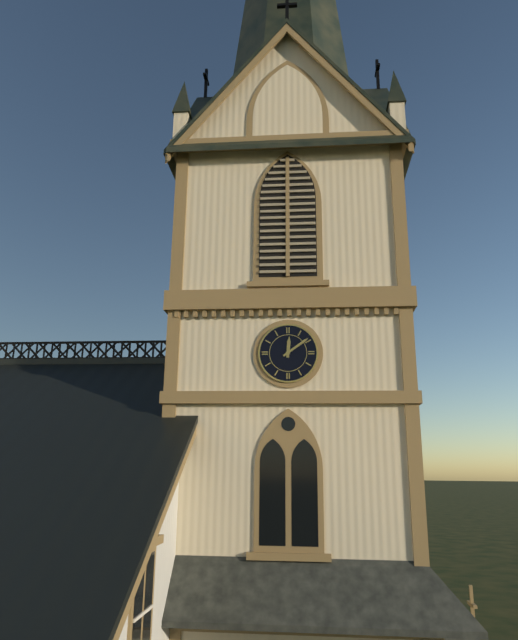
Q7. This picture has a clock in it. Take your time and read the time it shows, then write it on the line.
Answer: 12:09
